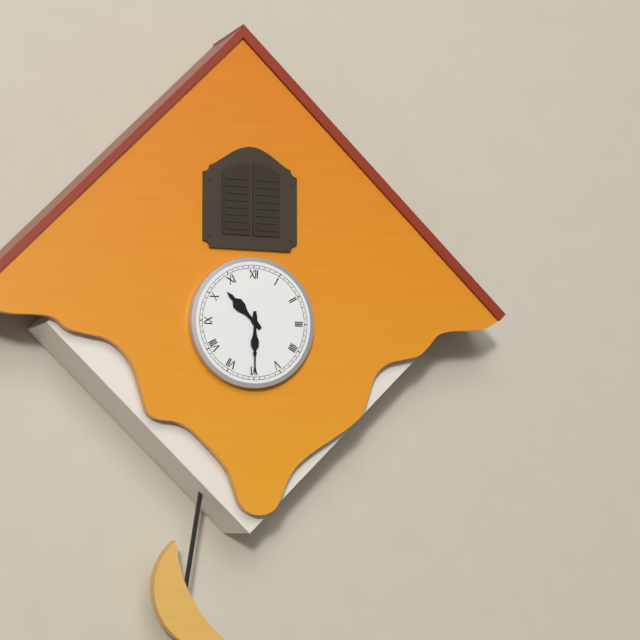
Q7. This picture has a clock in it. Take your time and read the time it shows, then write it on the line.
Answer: 10:30
